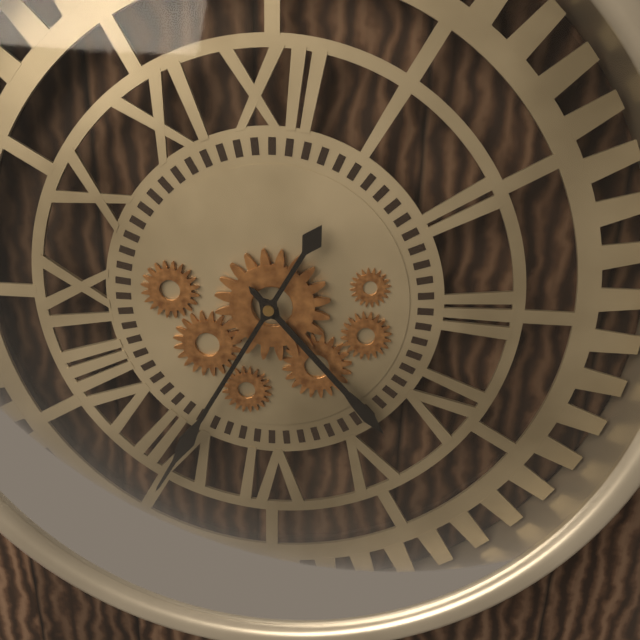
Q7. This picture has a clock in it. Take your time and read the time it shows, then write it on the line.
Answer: 4:35
